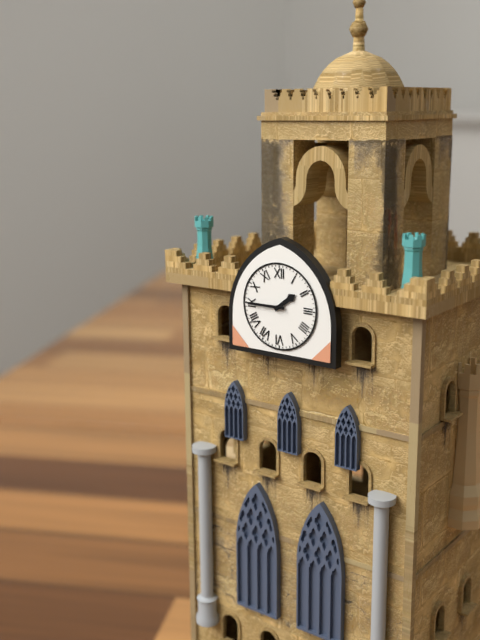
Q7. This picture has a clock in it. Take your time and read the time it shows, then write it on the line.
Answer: 1:45
